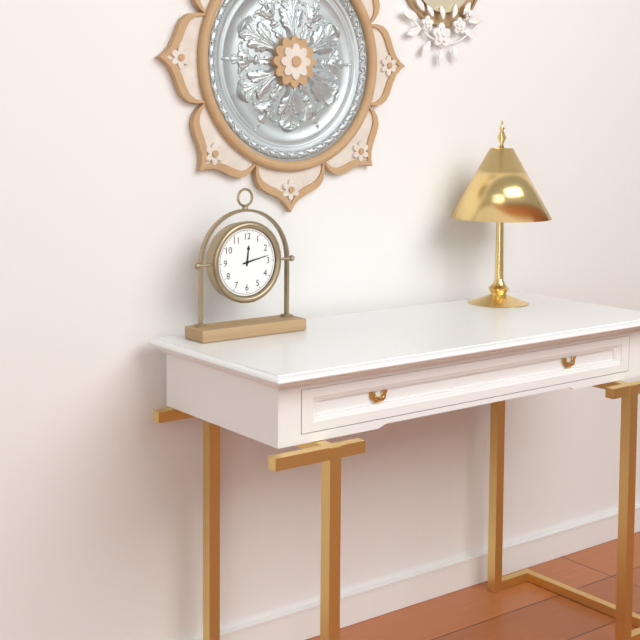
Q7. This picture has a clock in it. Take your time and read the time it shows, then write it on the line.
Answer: 12:13
